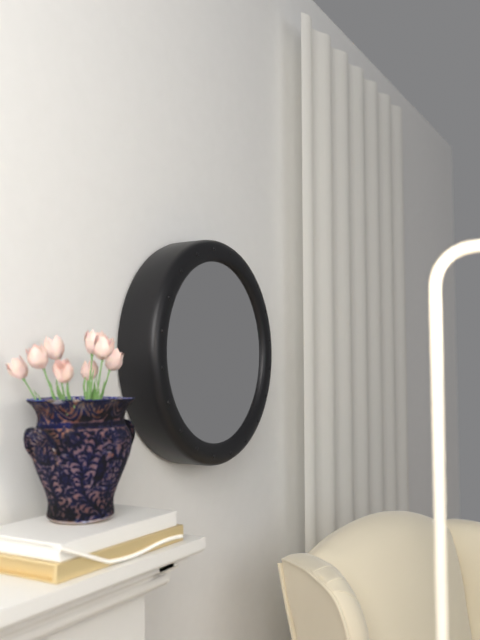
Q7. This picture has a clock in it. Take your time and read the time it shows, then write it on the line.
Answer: 2:34
